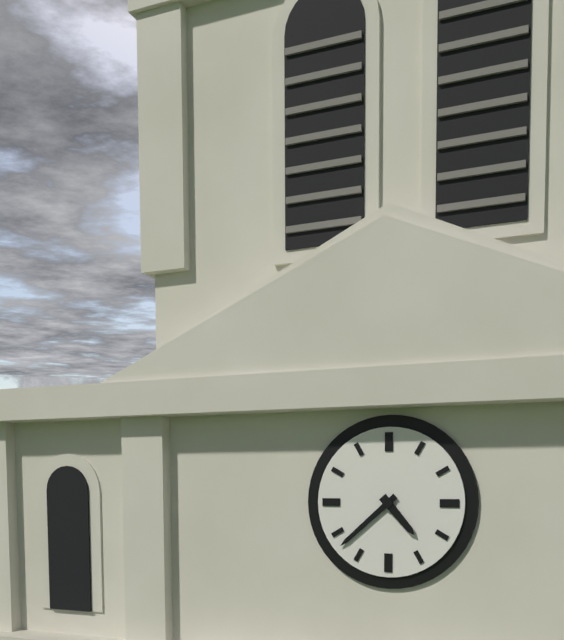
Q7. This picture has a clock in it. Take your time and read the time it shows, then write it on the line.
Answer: 4:38
